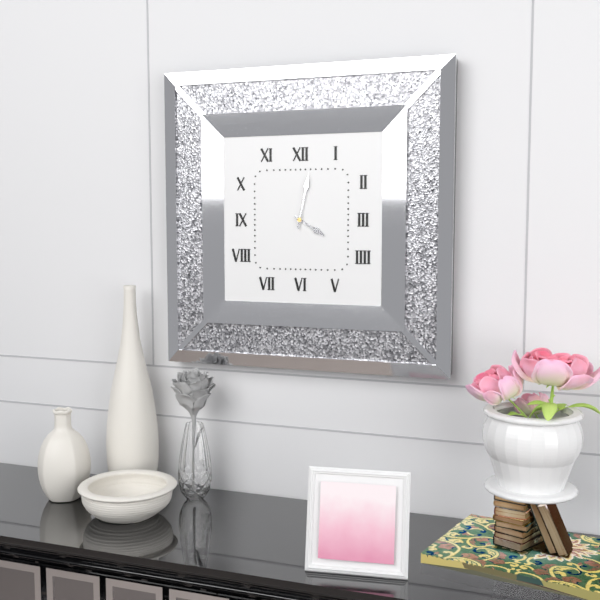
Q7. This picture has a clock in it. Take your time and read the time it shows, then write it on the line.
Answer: 4:02
